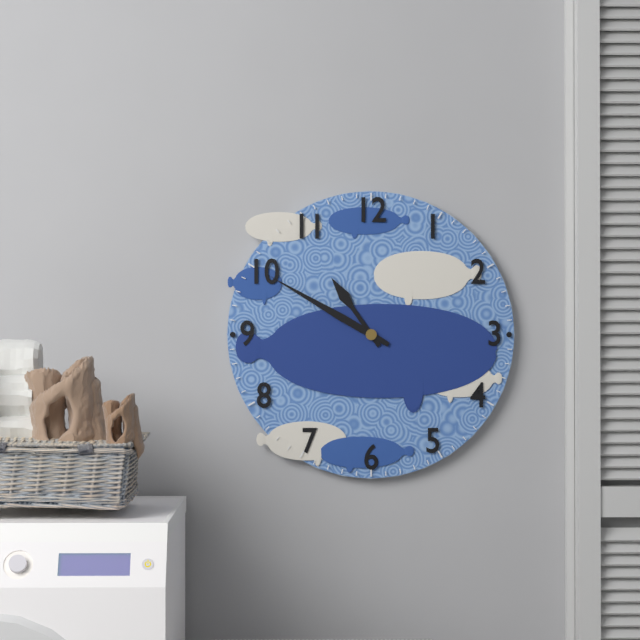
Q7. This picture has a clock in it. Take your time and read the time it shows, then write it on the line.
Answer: 10:50
